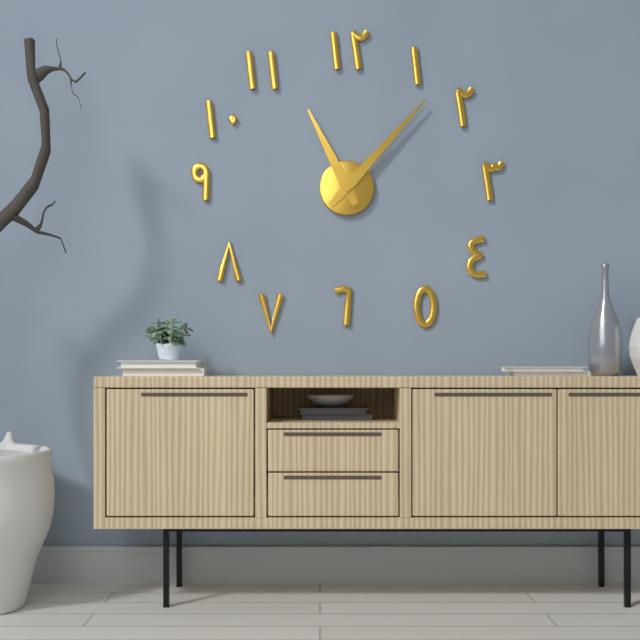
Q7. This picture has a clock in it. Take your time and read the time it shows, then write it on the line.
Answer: 11:07
